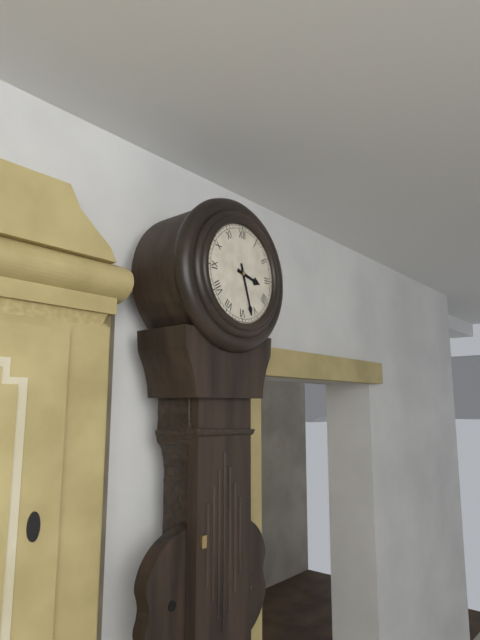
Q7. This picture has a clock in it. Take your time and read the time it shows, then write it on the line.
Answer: 3:27
